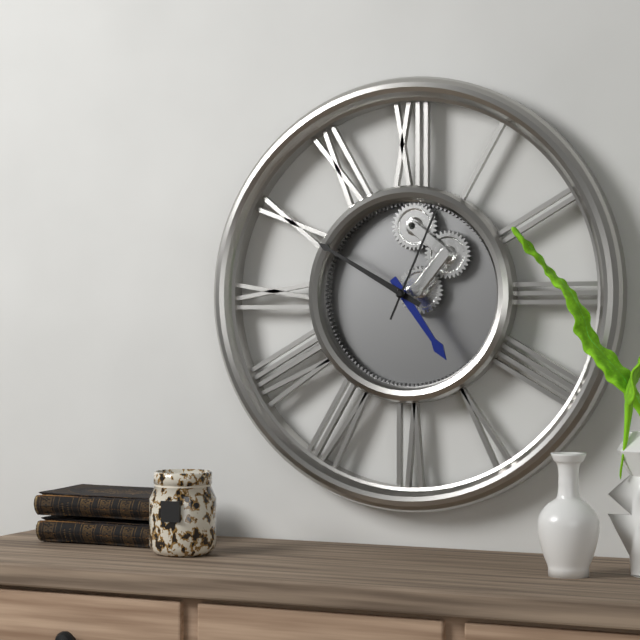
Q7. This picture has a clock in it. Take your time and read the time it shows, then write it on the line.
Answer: 4:50:04
